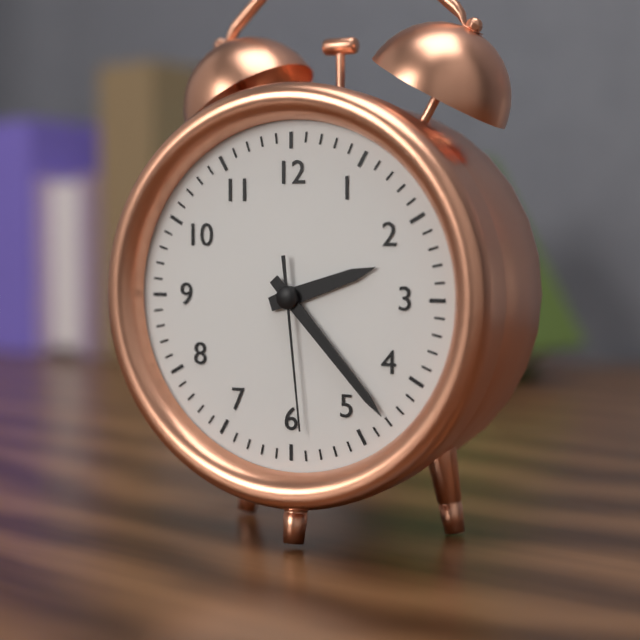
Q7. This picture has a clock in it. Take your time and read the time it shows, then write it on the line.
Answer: 2:23:29
